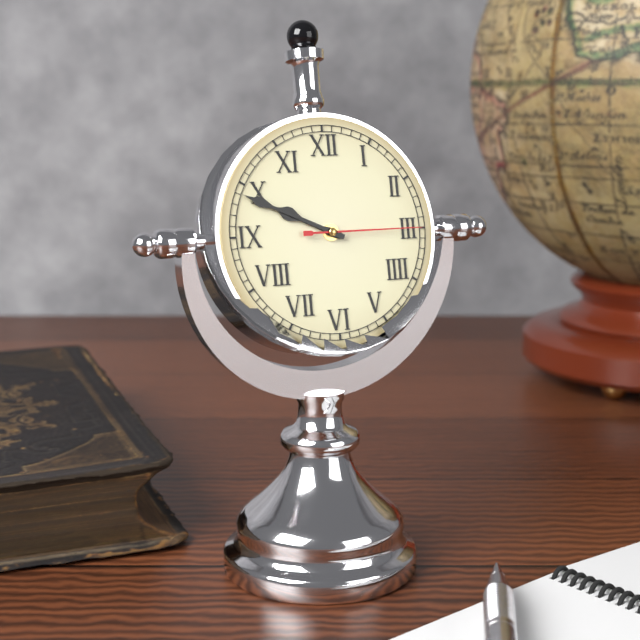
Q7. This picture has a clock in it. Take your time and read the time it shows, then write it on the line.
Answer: 9:49:15
